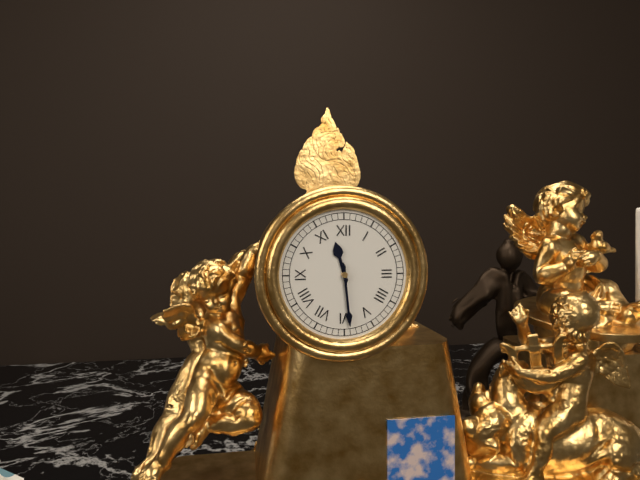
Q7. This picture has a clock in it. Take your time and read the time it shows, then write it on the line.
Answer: 11:29
